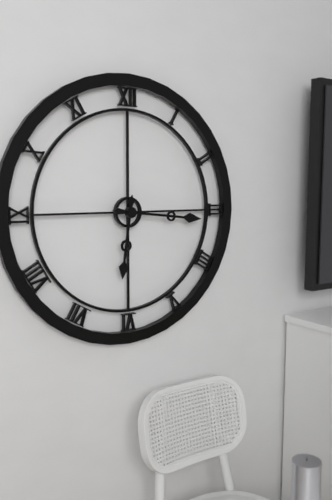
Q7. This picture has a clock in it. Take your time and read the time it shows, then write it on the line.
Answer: 6:16
